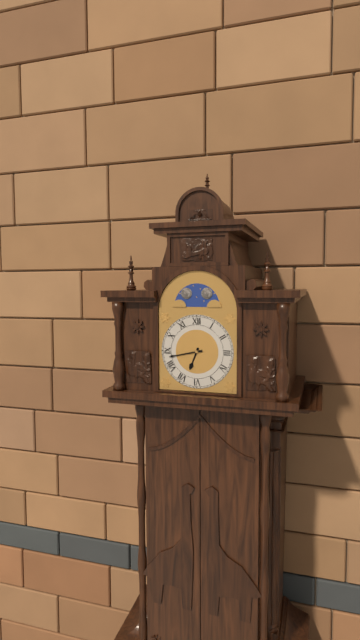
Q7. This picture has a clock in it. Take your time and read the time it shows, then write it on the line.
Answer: 6:43
